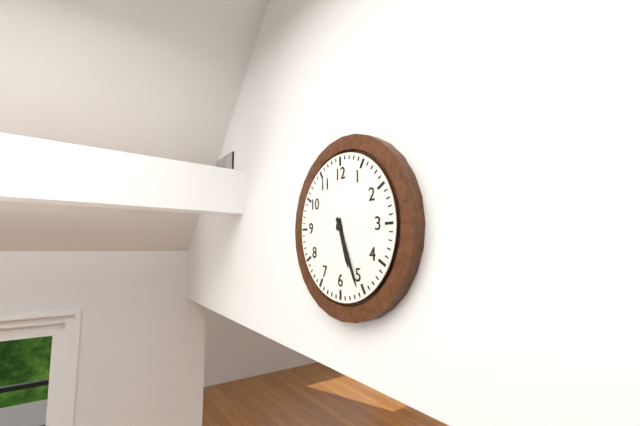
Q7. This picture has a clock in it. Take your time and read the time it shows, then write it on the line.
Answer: 5:26
